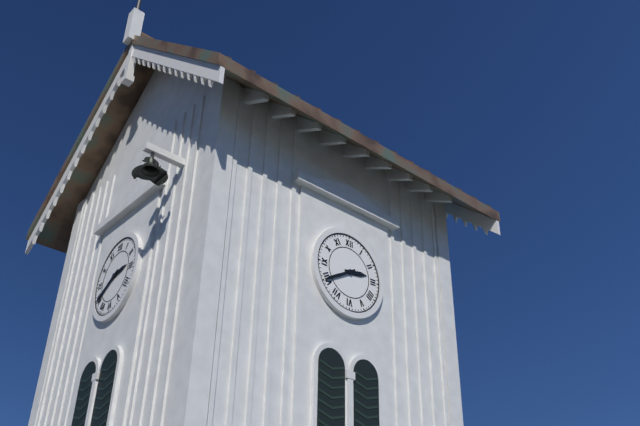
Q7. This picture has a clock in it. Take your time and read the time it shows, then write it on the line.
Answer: 2:40
